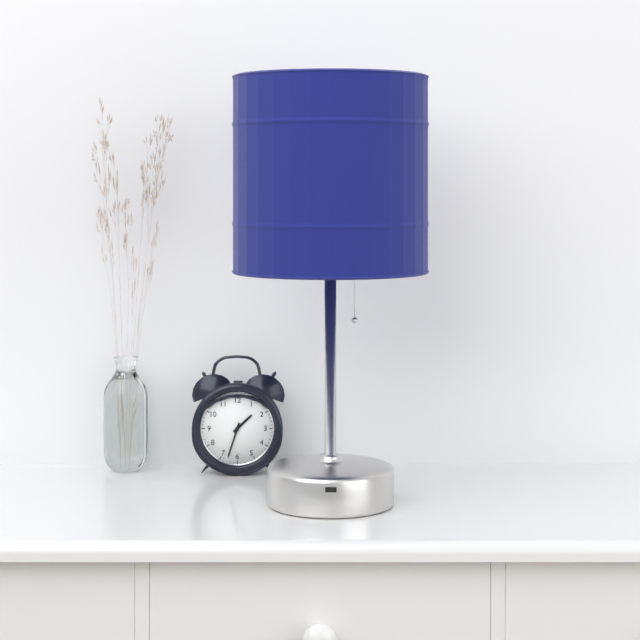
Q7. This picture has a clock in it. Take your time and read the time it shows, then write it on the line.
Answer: 1:33
